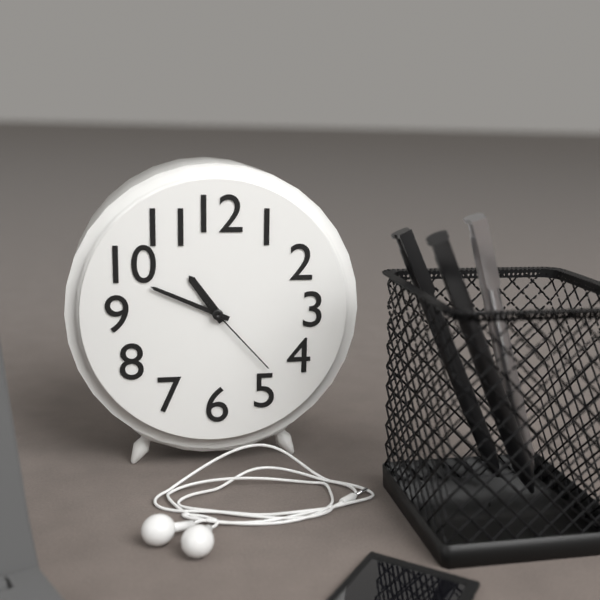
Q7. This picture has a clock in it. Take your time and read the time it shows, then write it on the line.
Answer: 10:49:23
